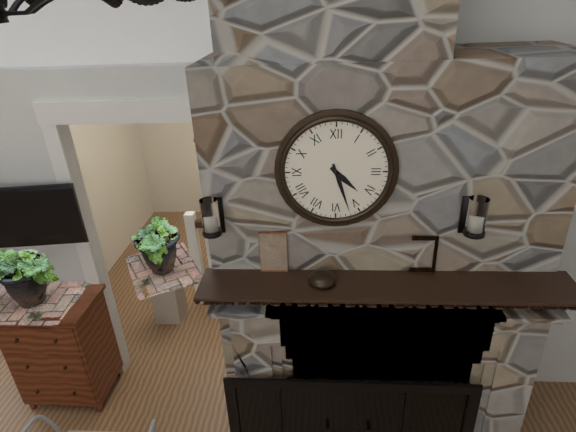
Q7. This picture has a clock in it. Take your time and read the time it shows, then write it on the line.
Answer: 4:27
